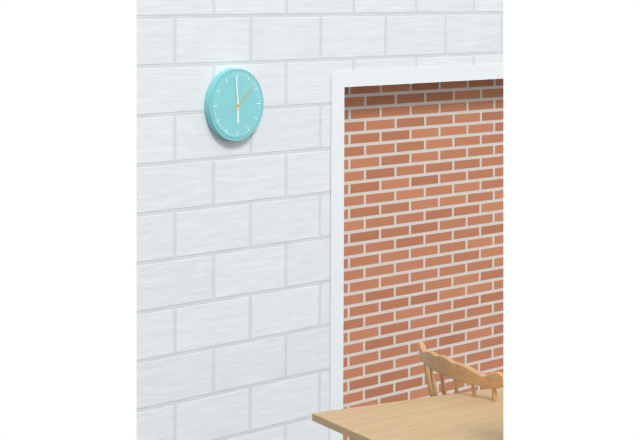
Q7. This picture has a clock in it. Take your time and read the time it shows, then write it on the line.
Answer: 5:59
